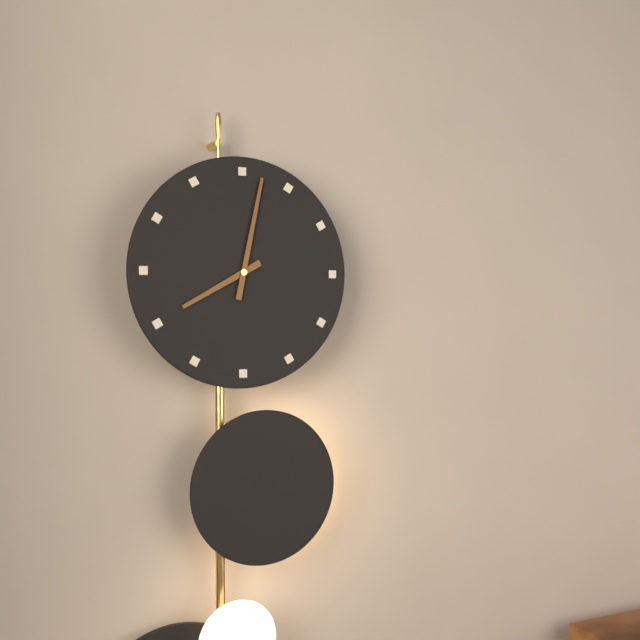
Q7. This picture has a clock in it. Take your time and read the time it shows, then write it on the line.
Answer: 8:02
